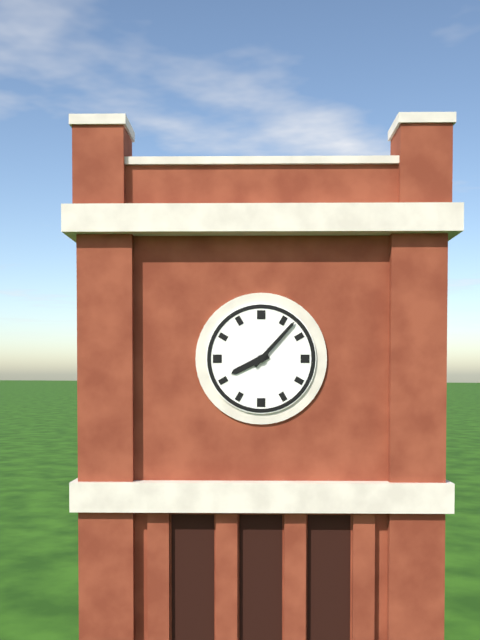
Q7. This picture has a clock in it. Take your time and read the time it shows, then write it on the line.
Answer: 8:07
